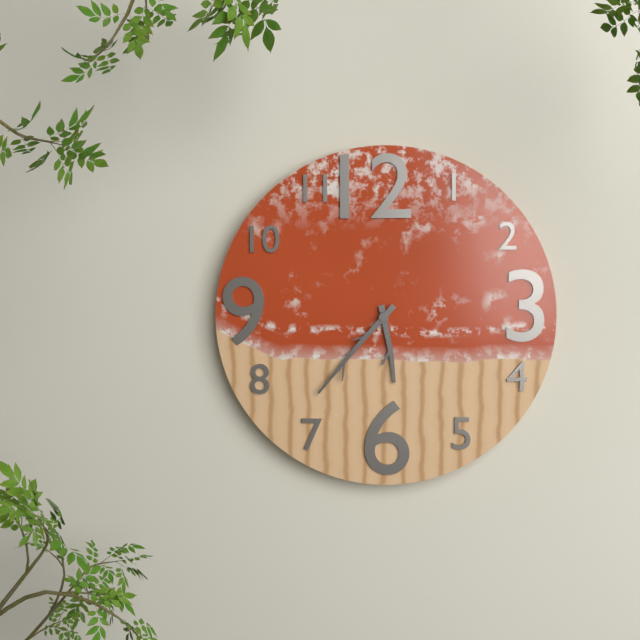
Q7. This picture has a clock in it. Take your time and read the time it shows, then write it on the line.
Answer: 5:37
